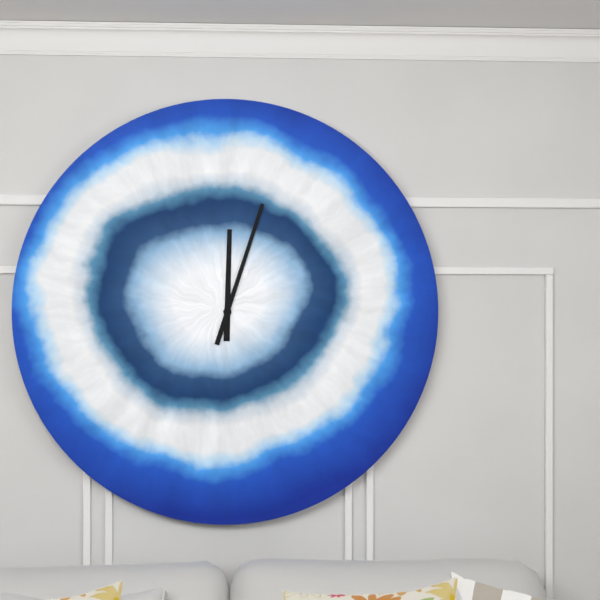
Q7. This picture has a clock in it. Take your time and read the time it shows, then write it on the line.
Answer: 12:03
